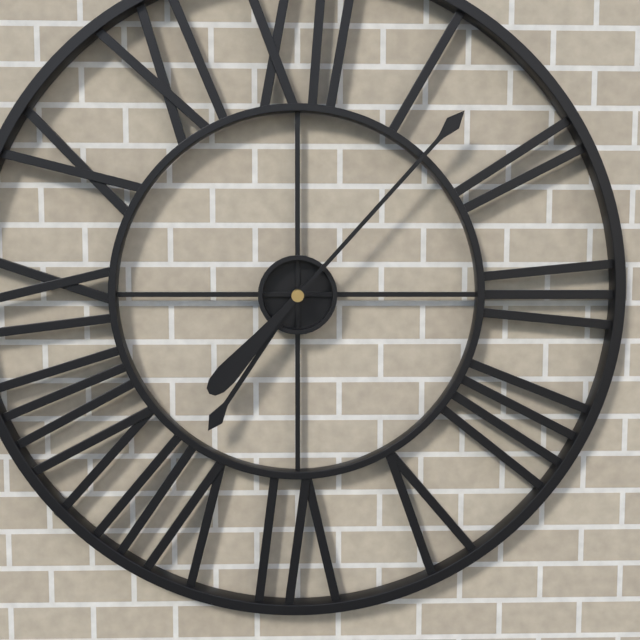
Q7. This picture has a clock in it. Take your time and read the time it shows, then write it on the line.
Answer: 7:07
